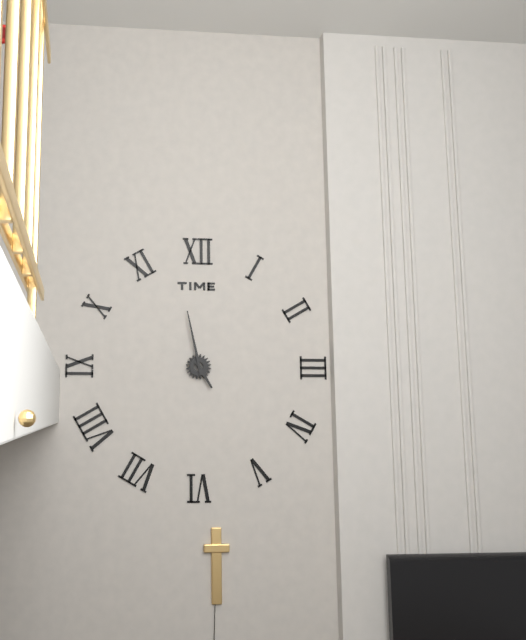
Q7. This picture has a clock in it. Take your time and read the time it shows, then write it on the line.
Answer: 4:58
